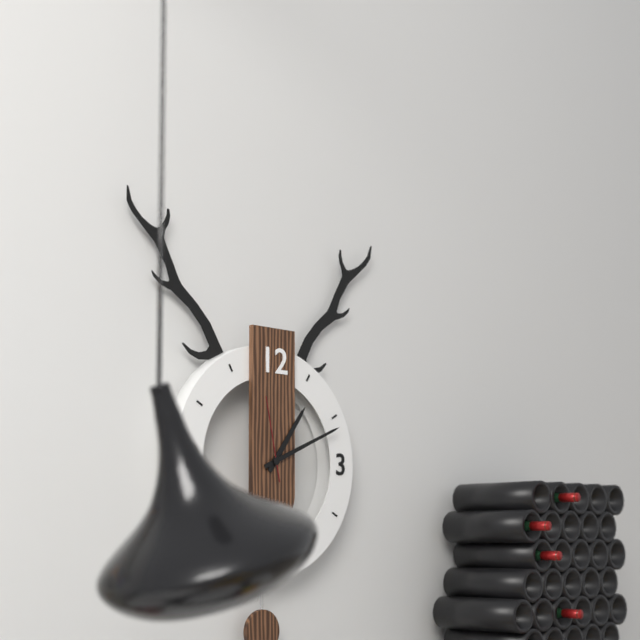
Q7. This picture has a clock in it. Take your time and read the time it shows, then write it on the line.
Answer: 1:11:58
